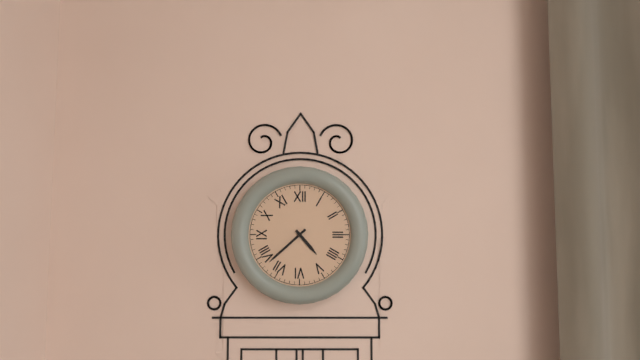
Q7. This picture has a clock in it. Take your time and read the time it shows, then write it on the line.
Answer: 4:38
